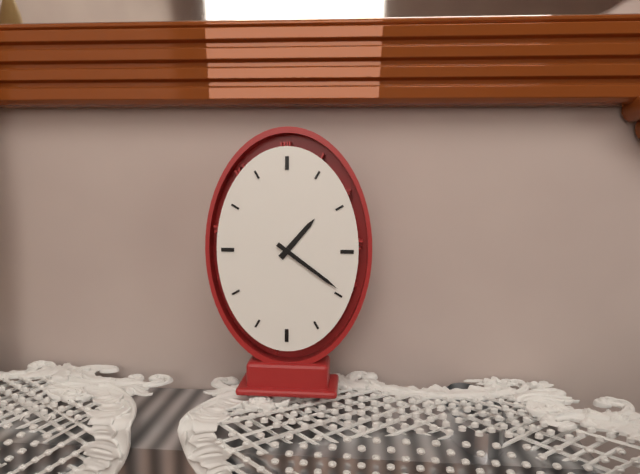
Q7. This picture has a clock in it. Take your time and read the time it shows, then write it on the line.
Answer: 1:21
